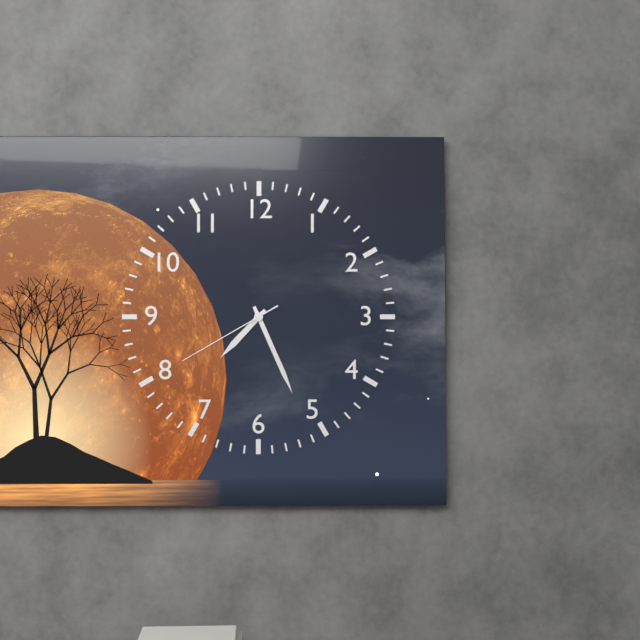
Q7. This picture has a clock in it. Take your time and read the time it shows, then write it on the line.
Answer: 7:26:40
